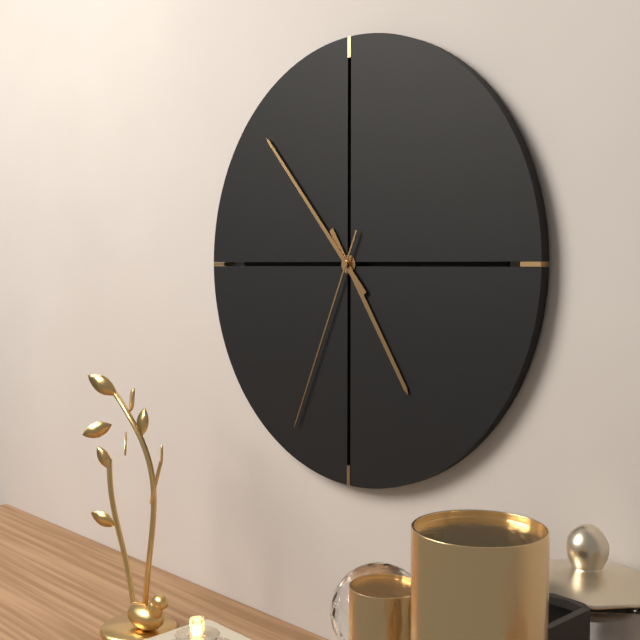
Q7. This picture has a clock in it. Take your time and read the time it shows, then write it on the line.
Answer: 4:53:34
